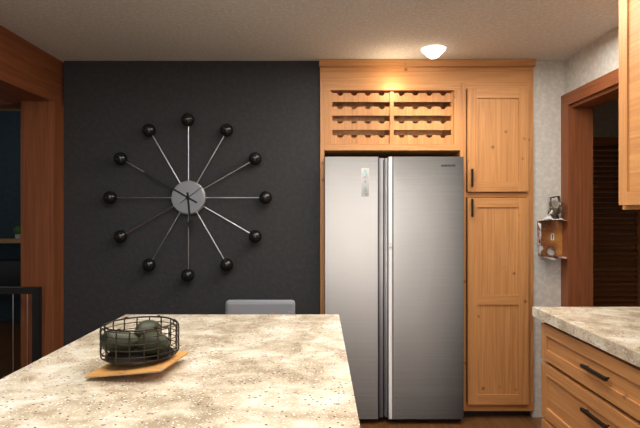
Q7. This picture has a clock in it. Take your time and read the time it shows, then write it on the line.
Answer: 5:50:09
